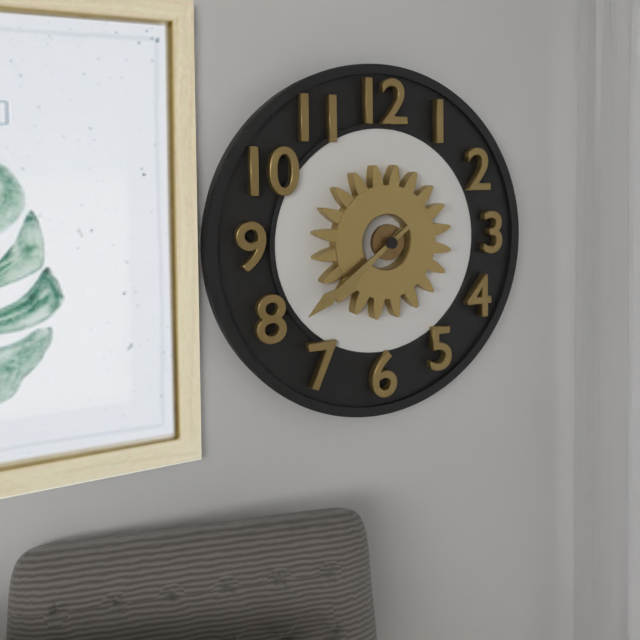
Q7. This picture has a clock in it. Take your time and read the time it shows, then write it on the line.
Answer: 7:39
